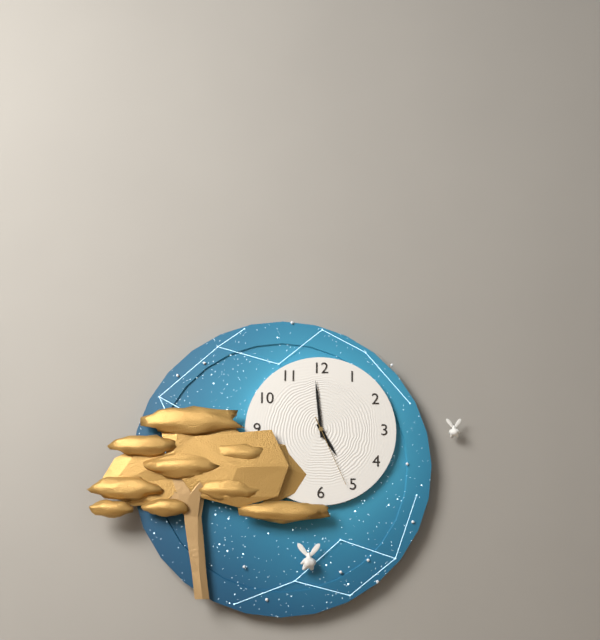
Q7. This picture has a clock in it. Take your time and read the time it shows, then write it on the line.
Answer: 4:59:26
